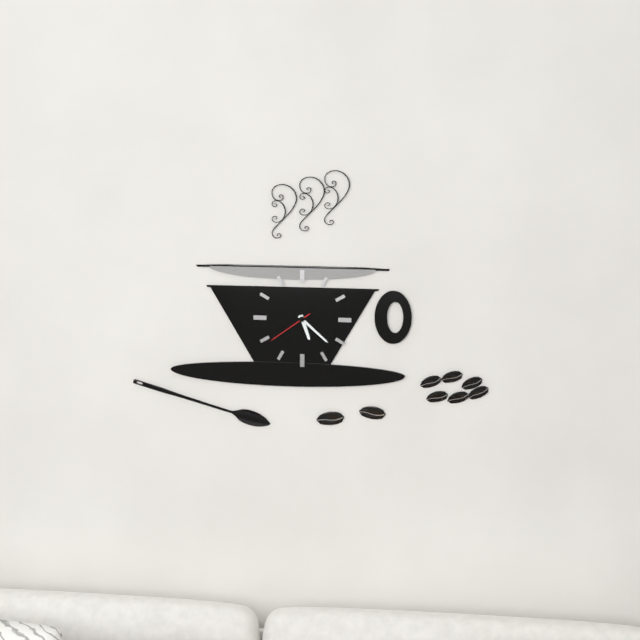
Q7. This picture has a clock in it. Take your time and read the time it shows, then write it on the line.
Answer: 5:22
